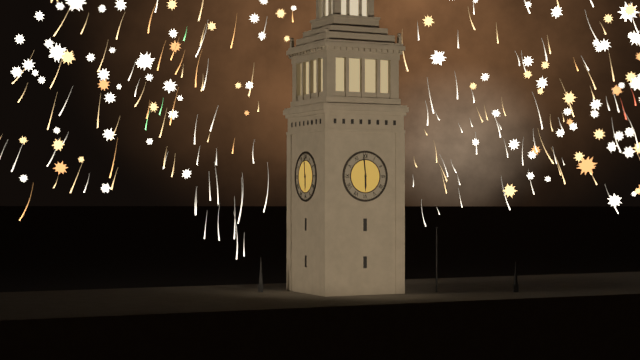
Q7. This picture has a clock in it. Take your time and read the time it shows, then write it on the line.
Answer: 5:59
